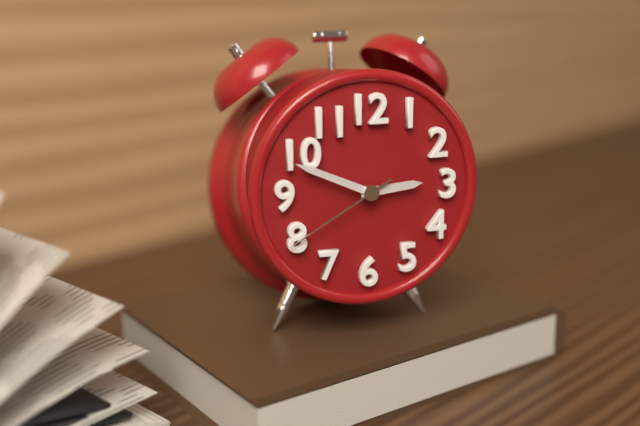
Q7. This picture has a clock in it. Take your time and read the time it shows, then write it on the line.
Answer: 2:49:40
